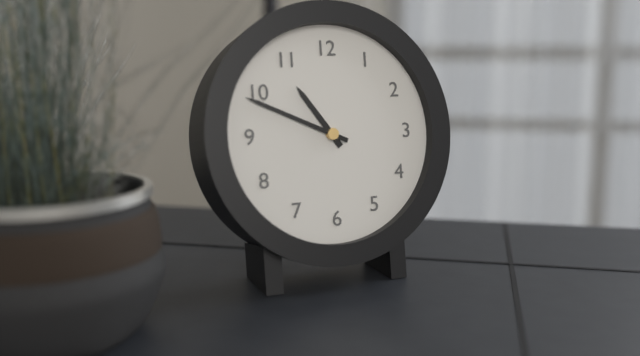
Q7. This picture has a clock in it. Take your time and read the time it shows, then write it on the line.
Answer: 10:49
